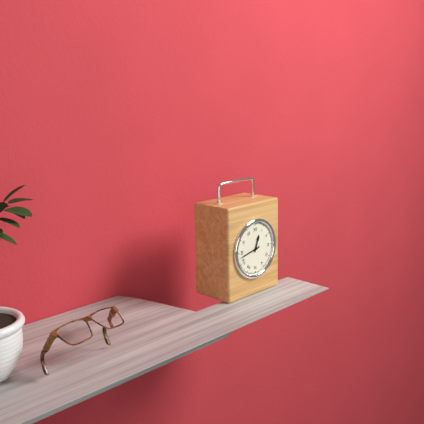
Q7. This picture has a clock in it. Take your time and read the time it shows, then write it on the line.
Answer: 12:43
